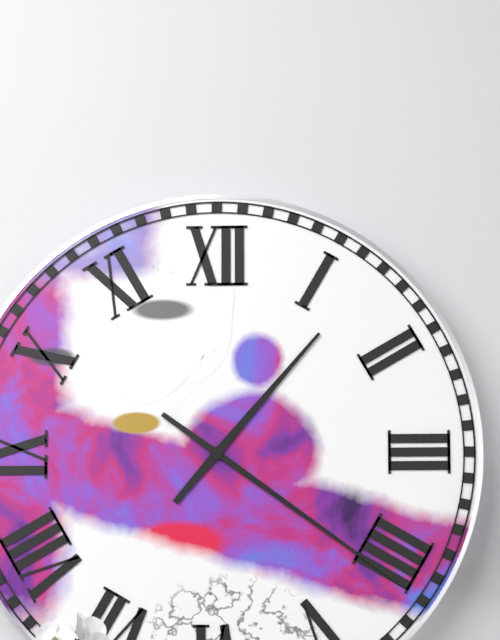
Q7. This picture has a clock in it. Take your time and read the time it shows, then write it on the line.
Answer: 1:21
